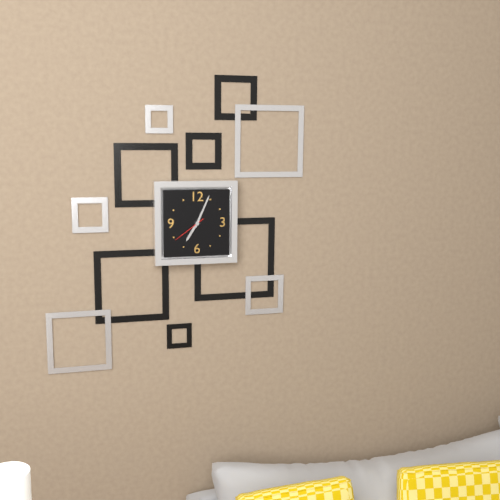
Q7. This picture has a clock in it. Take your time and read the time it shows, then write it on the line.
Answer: 7:04
